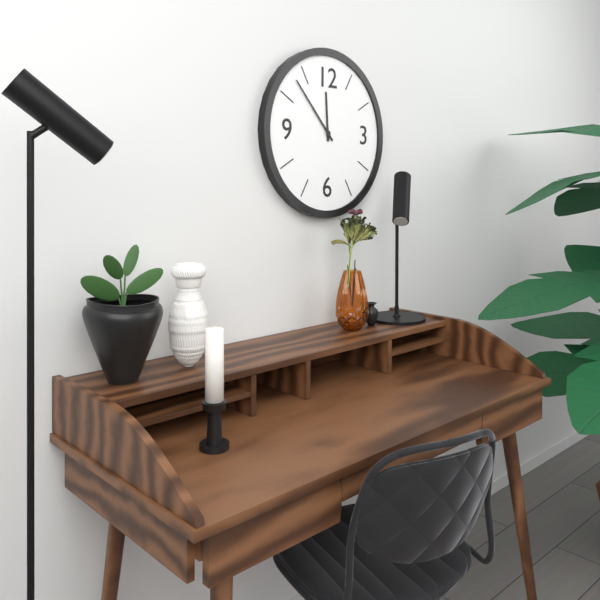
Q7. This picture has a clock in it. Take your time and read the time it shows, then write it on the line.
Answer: 11:53
